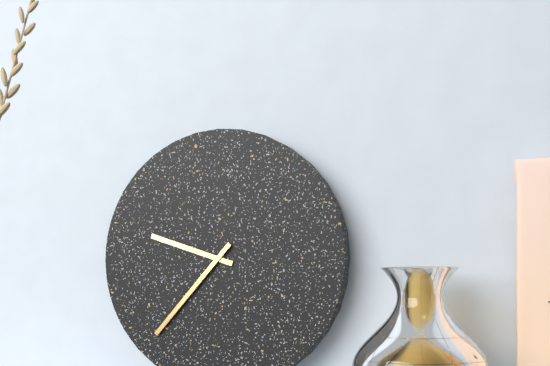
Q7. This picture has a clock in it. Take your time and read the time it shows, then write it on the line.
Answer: 9:37
